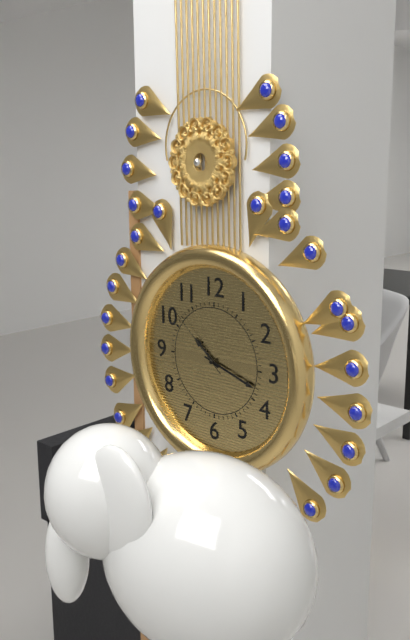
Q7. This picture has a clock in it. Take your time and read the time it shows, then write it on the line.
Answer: 10:18:52
